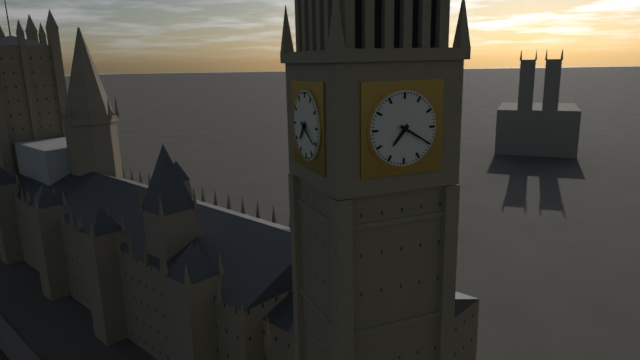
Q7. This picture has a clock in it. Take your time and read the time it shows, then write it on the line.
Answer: 7:20
